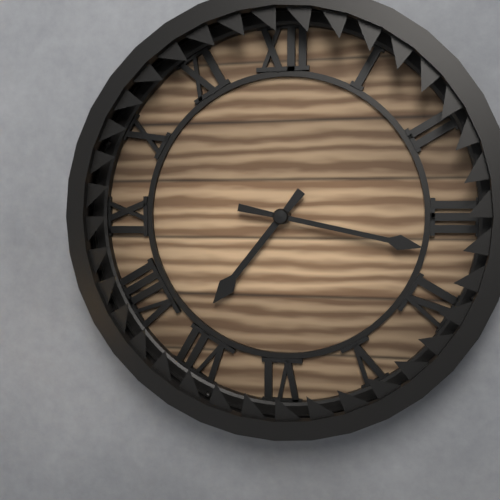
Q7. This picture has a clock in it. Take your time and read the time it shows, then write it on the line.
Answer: 7:17
